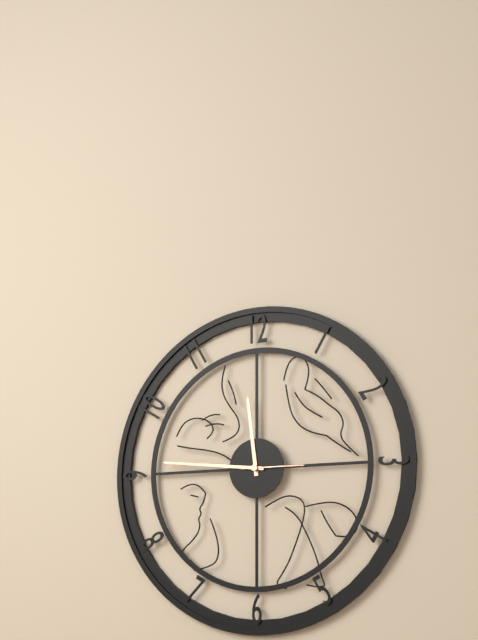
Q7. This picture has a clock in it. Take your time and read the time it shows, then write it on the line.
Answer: 11:46:15
